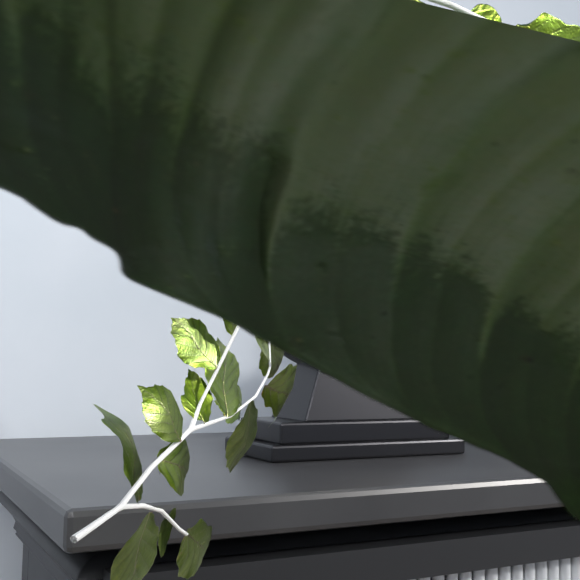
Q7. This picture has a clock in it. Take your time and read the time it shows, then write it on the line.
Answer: 5:41
